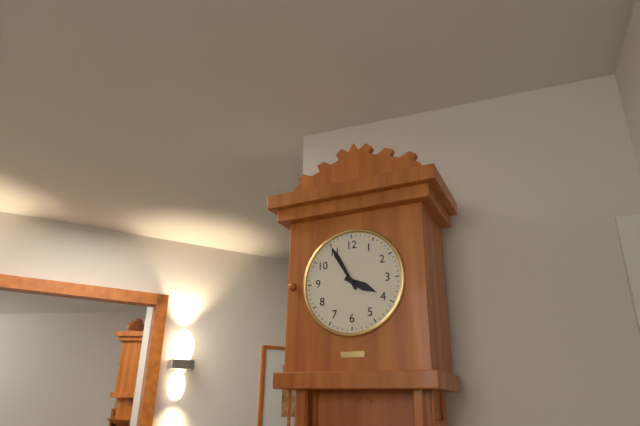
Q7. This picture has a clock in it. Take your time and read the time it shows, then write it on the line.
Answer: 3:55
